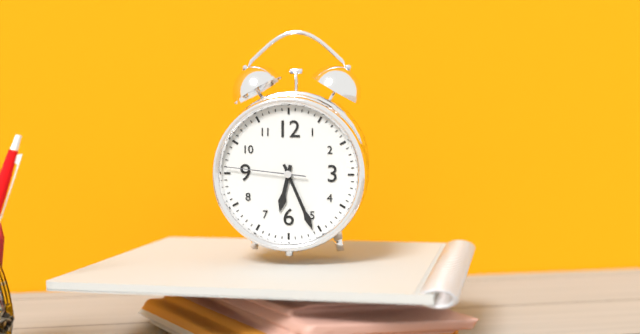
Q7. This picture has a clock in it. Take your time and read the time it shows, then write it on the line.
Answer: 6:26:46
